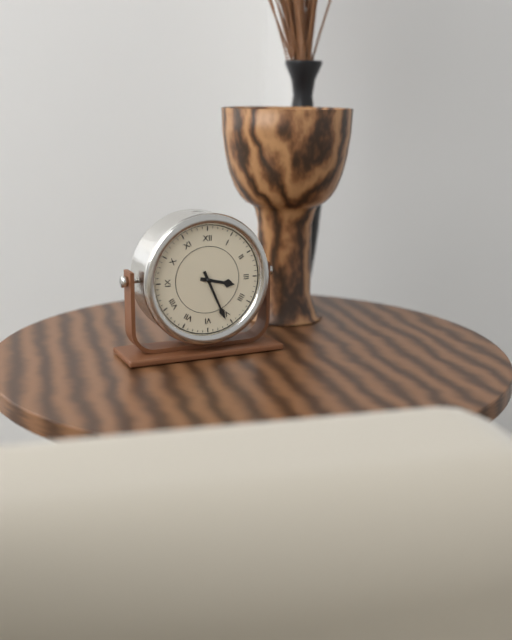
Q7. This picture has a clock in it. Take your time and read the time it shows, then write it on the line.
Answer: 3:26
